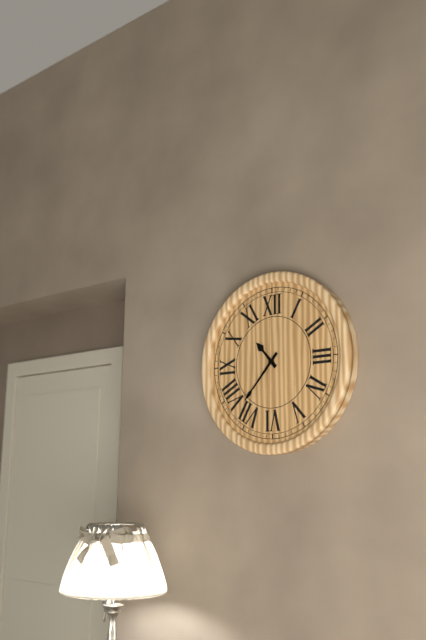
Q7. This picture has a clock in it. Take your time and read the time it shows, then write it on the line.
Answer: 10:37
